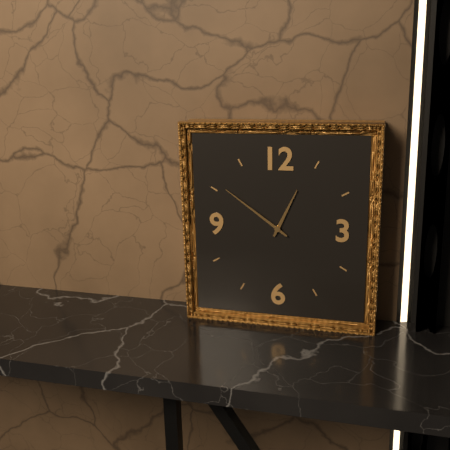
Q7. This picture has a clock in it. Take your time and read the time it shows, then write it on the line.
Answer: 12:51
